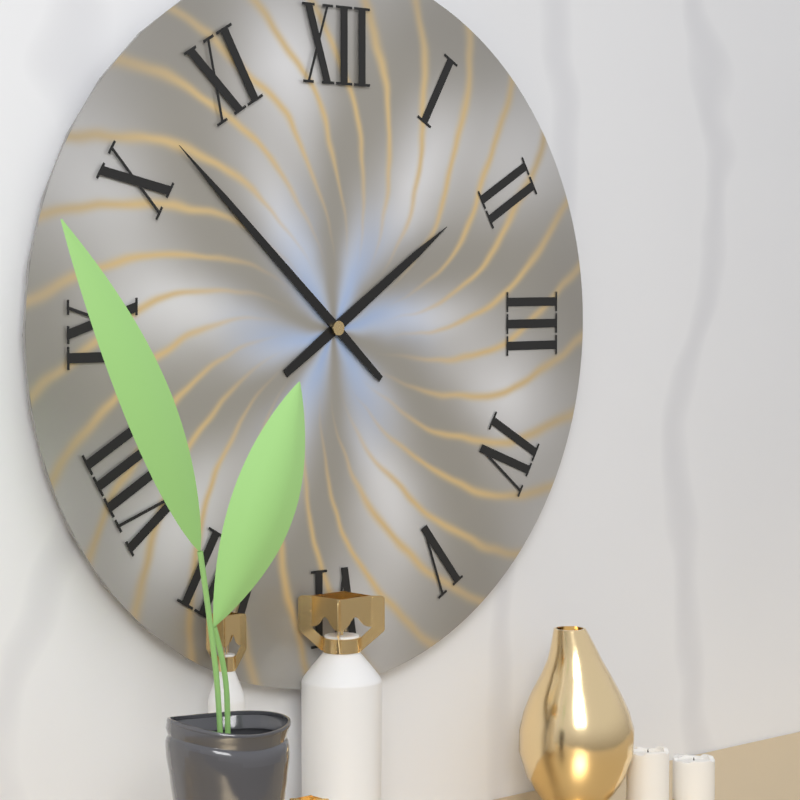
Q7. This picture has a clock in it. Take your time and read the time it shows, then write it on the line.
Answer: 1:52
